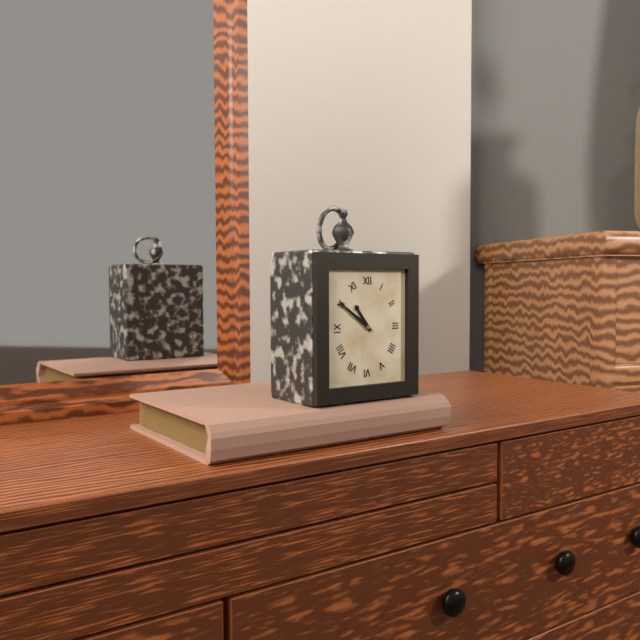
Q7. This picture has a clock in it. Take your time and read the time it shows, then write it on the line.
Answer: 10:51
